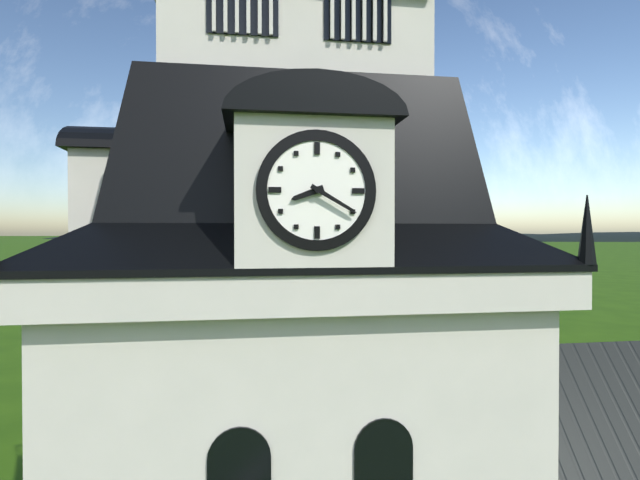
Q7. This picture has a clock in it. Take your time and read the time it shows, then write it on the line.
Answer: 8:20
